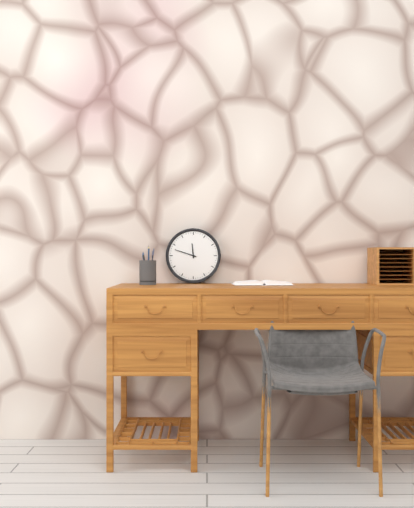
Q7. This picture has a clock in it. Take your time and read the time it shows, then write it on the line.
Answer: 11:48
